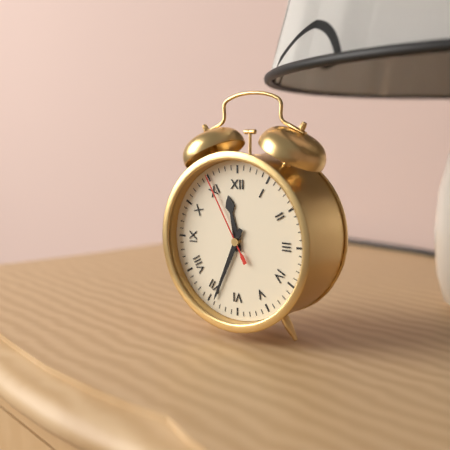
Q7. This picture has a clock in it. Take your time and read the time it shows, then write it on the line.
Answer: 11:34:55
